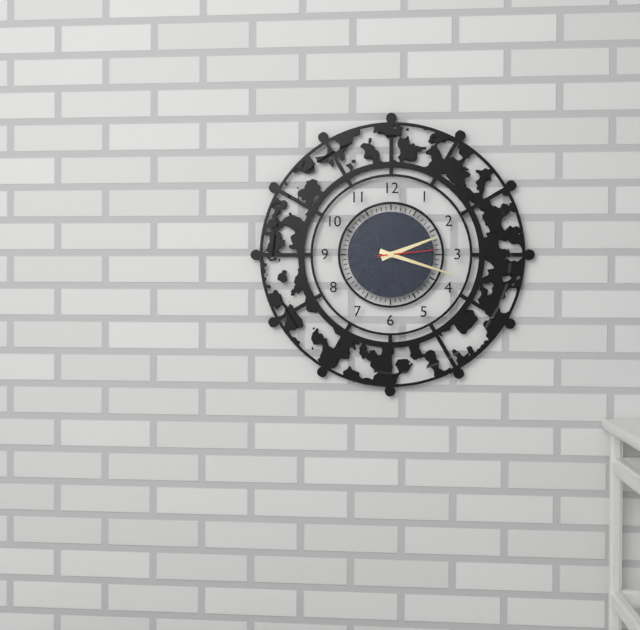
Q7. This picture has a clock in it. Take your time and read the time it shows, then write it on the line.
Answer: 2:18:14
